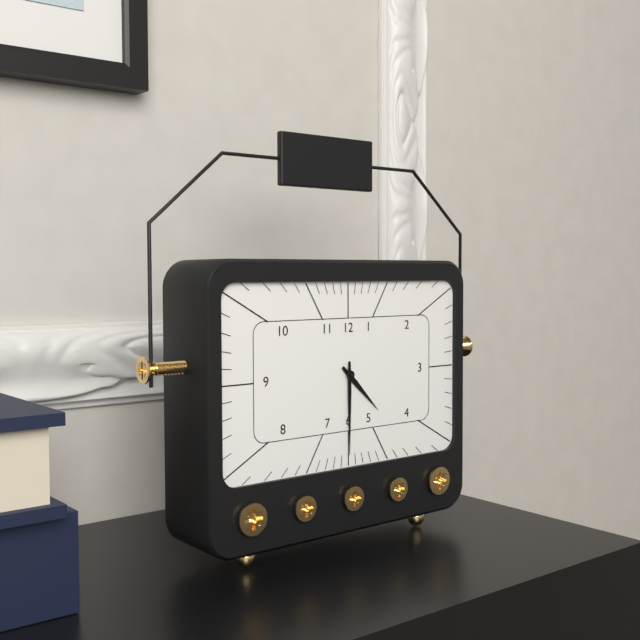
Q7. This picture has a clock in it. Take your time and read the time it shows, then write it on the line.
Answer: 4:30
